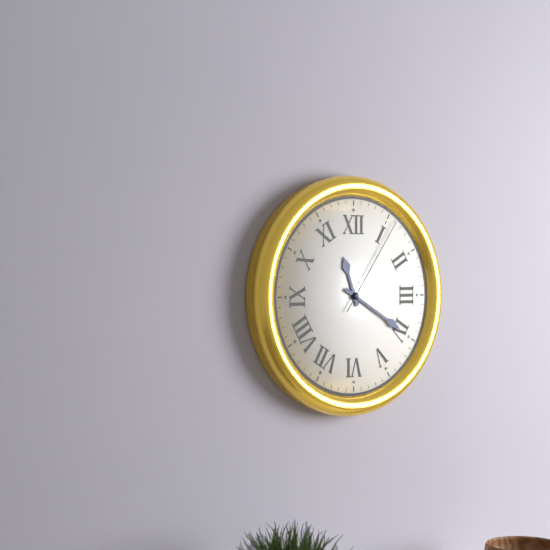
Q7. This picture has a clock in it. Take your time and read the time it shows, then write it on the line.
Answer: 11:20:06
